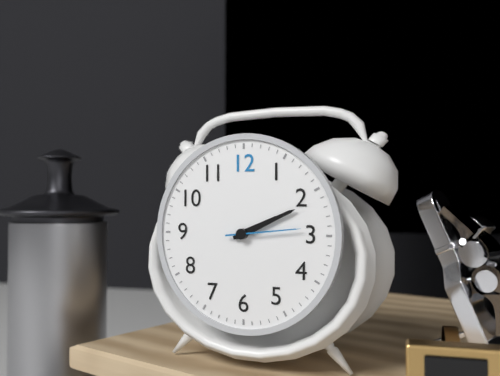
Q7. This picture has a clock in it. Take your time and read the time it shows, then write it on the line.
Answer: 2:11:14
